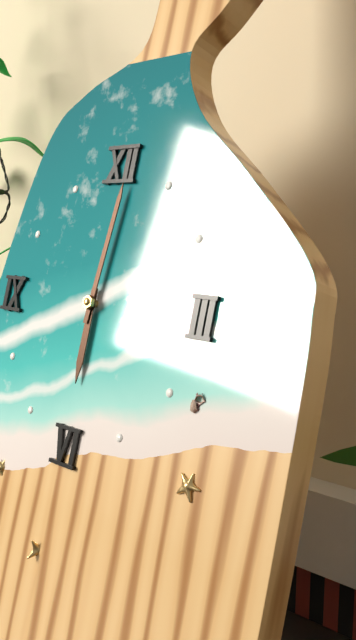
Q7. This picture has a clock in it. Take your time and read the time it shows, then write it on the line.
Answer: 6:01
